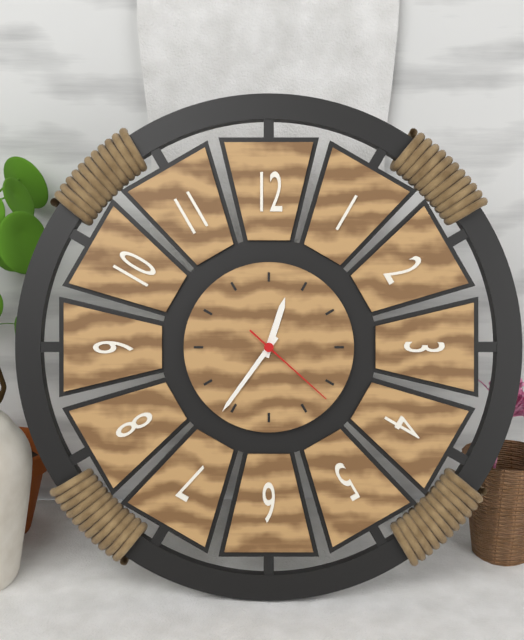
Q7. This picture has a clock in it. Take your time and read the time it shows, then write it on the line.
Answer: 12:36:22
